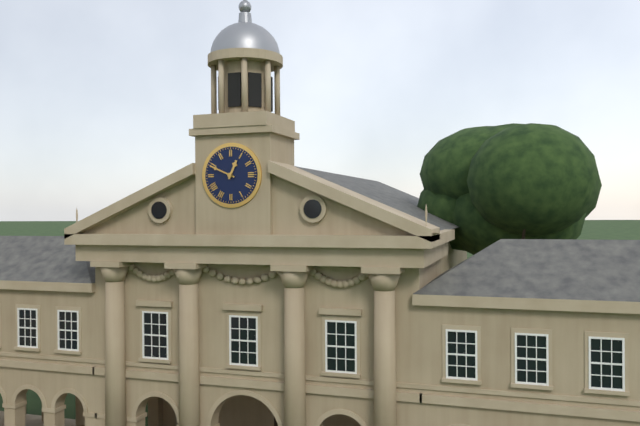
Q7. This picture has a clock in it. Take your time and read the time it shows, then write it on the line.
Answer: 12:49
